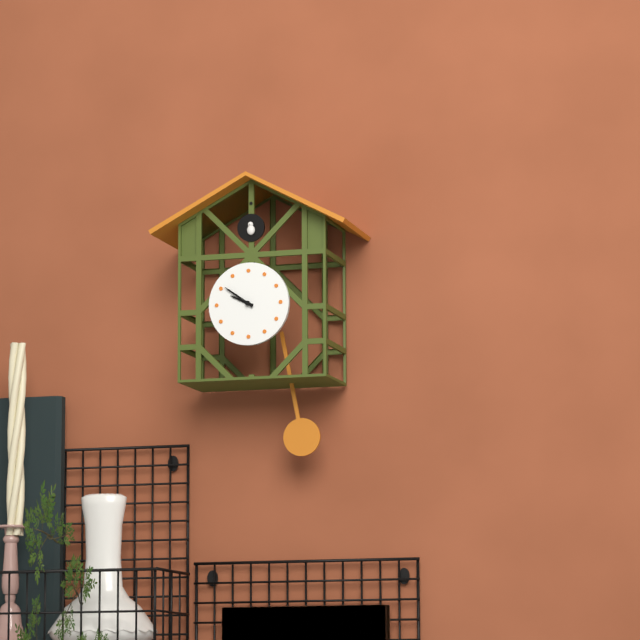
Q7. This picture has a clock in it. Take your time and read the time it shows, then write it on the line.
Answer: 9:51
